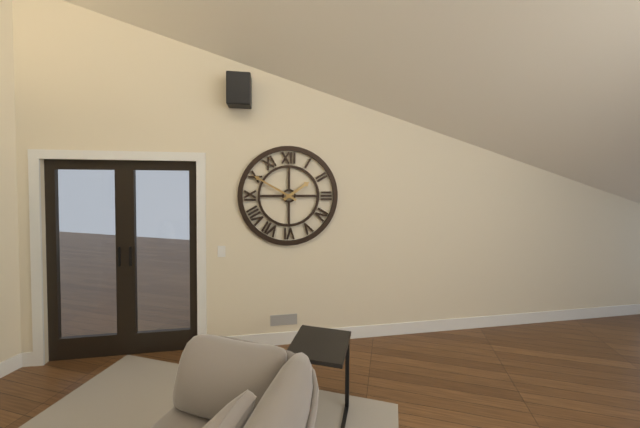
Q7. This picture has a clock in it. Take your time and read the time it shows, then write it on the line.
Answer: 1:50
